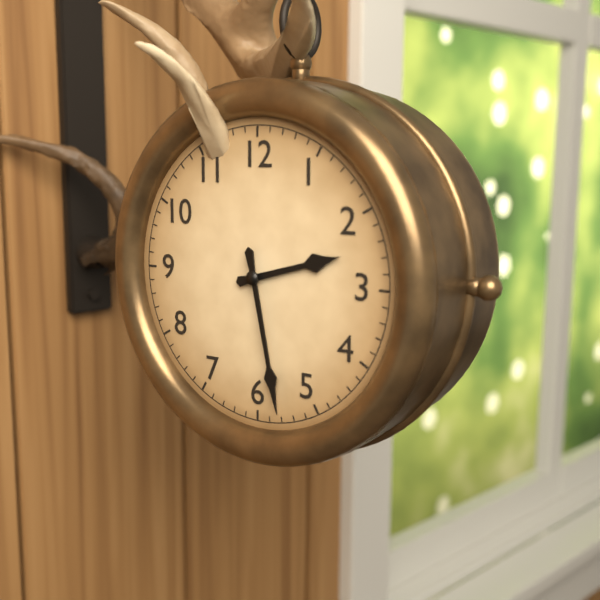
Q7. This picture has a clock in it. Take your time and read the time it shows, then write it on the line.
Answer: 2:28
